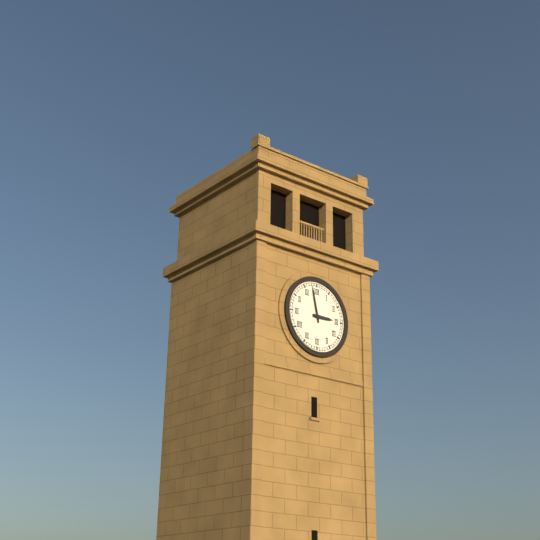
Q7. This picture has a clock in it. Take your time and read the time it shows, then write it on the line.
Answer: 2:58
